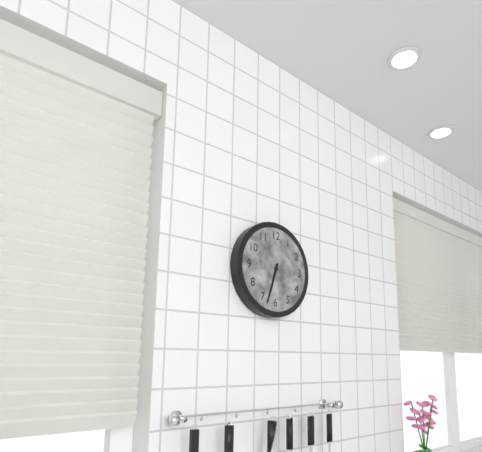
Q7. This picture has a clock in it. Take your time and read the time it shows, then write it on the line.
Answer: 6:33
